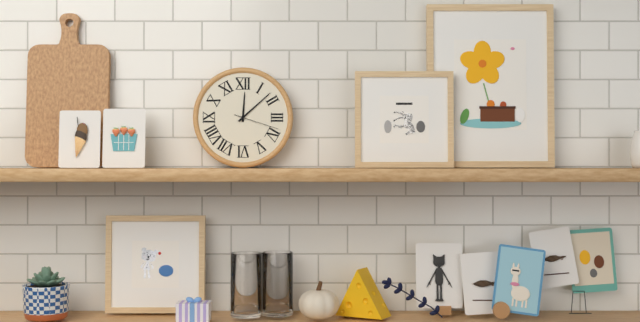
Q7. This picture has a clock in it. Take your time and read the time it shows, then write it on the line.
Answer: 12:08
